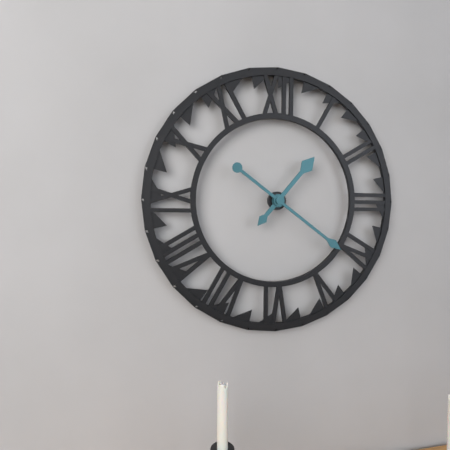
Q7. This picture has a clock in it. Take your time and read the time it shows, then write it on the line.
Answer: 1:21
